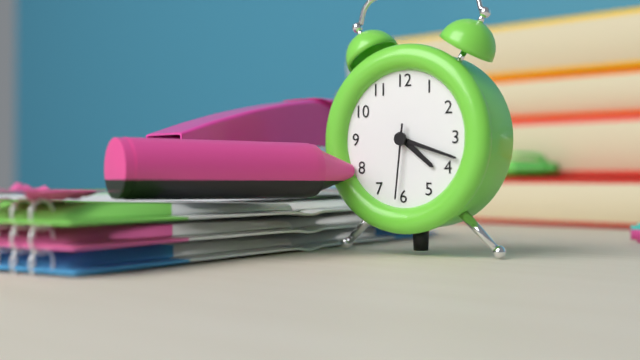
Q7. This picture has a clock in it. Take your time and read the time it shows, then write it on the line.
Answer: 4:18:31
